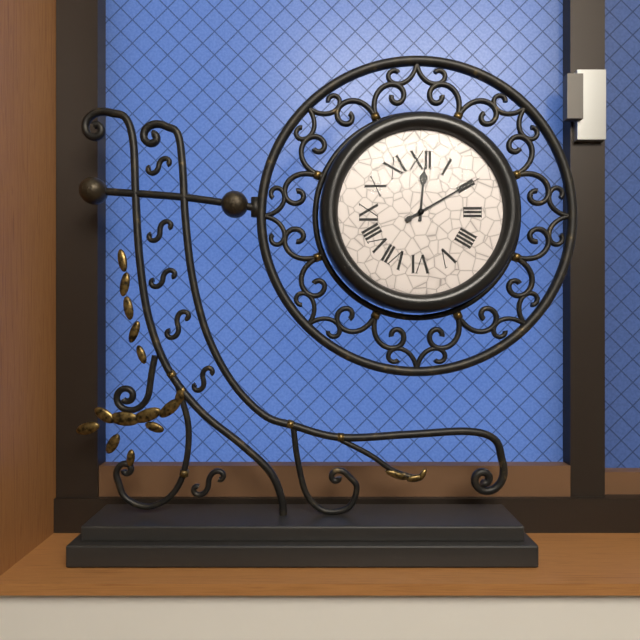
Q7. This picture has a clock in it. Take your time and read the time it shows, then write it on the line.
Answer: 12:10
